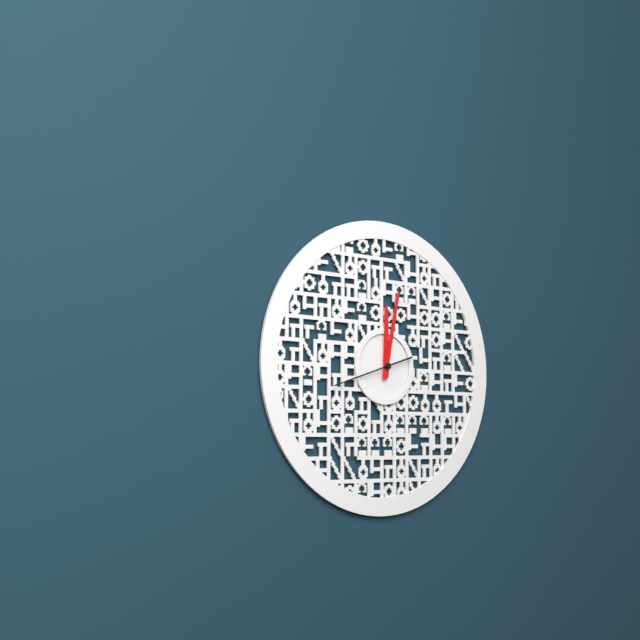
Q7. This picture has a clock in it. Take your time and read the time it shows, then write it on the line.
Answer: 12:02:42
